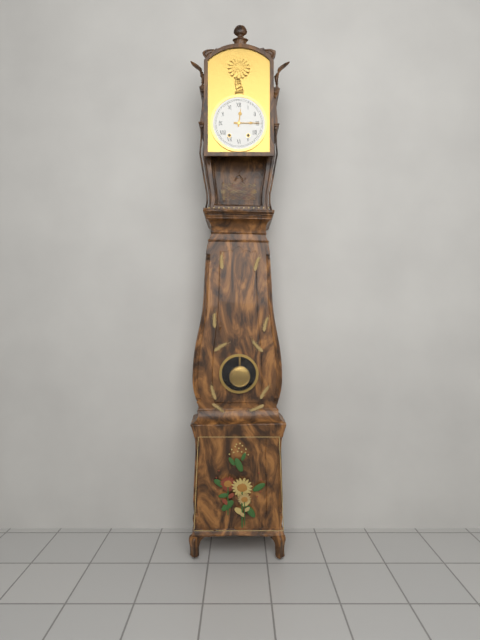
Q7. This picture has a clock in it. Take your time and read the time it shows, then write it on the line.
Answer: 12:15
